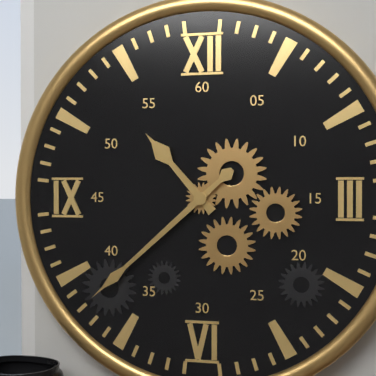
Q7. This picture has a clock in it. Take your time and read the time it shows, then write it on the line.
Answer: 10:38
